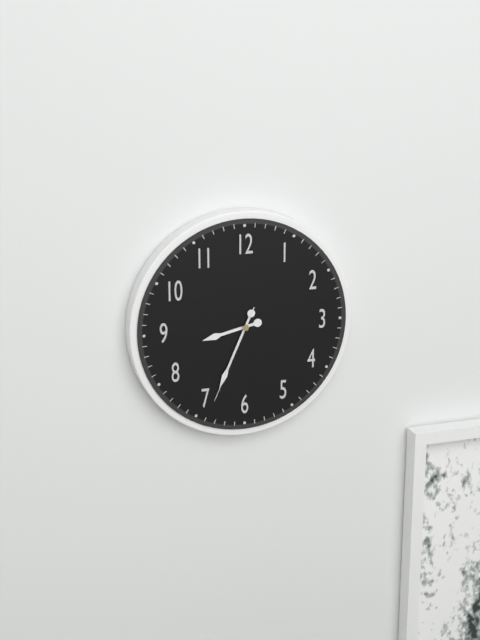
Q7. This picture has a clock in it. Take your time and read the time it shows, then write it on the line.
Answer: 8:34:34
